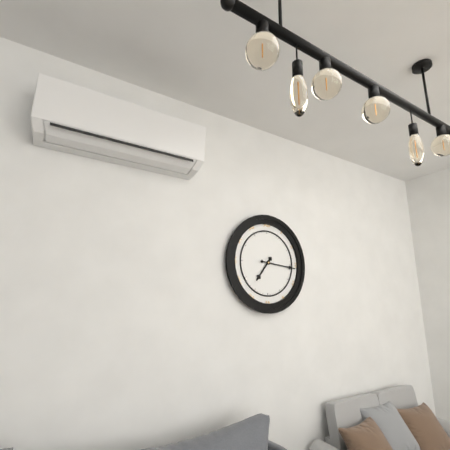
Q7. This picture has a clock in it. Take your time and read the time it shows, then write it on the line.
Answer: 7:16
